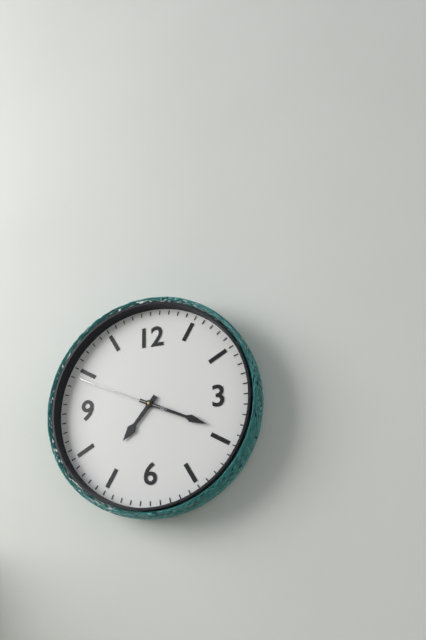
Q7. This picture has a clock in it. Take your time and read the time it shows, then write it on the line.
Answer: 7:19:49
